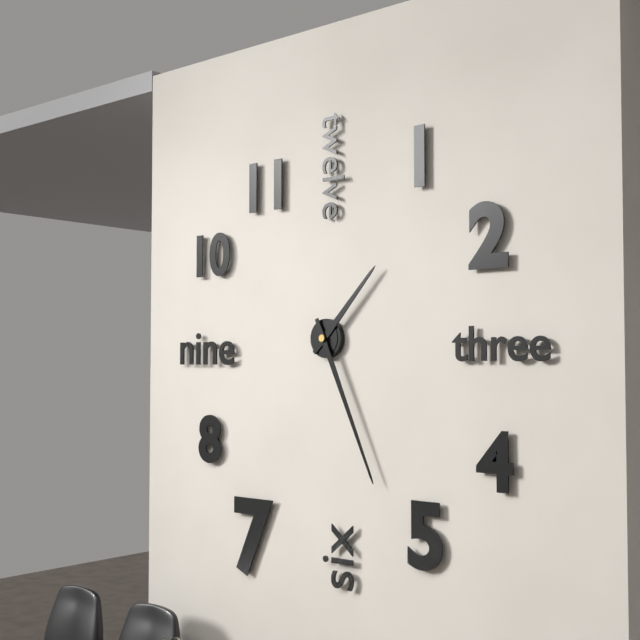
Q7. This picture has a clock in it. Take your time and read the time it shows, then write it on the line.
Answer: 1:26
